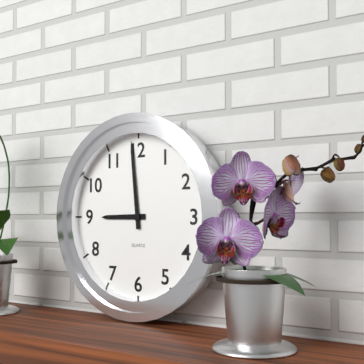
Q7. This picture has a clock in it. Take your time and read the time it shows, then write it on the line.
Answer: 8:59
